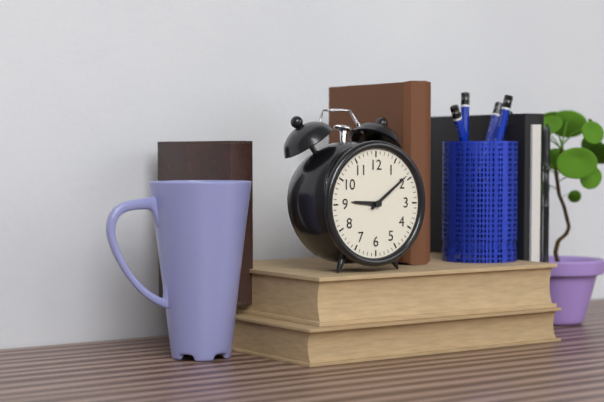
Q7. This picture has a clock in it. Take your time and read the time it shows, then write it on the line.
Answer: 9:09
